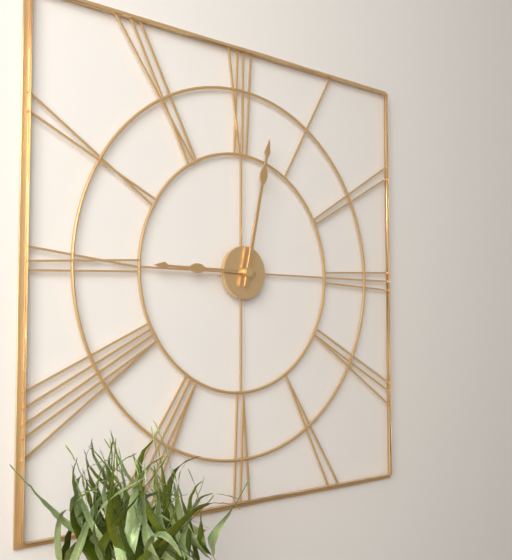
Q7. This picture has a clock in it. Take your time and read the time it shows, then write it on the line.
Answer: 9:02
